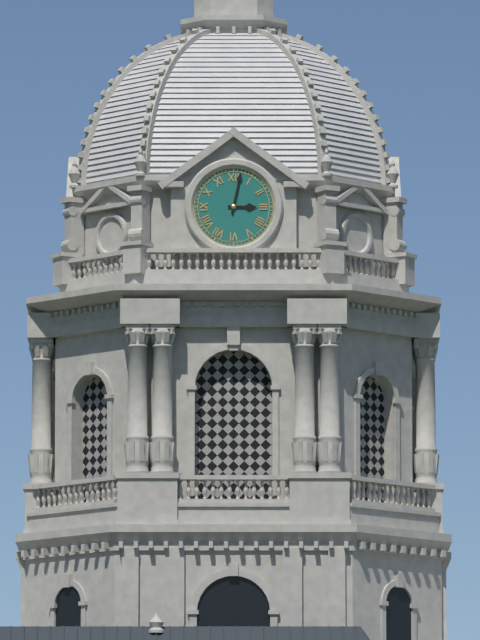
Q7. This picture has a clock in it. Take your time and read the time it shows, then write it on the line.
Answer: 3:02
